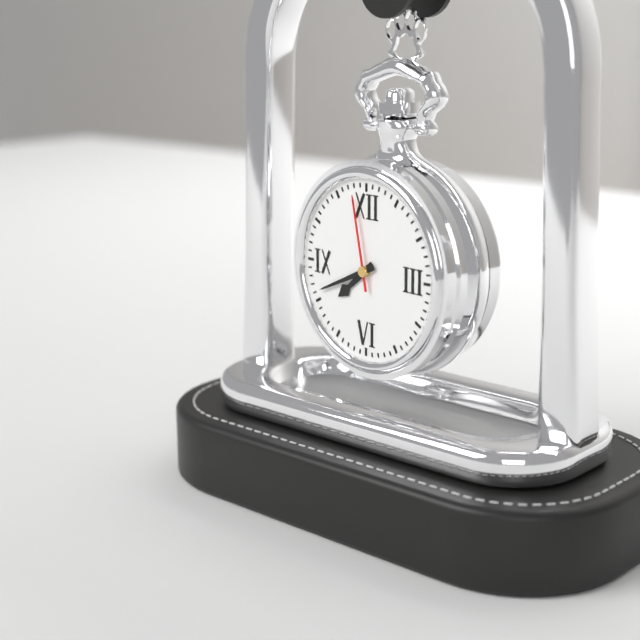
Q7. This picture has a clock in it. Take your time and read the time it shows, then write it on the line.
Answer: 7:41:58
